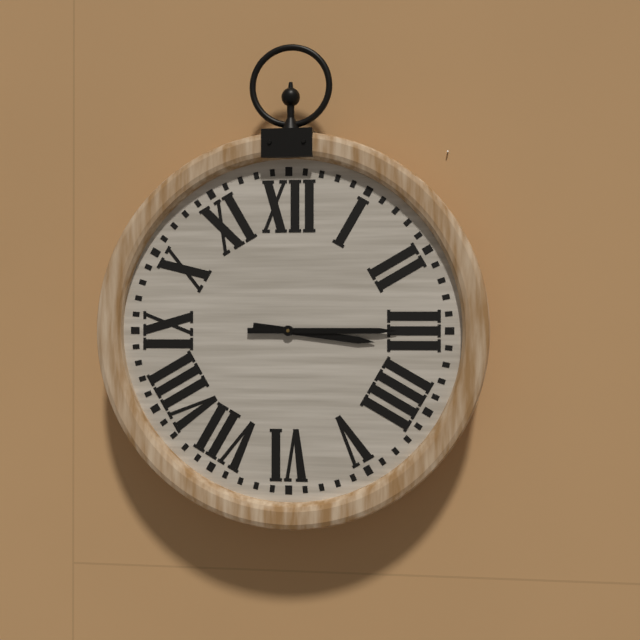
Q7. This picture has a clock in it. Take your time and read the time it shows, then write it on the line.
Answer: 3:15
